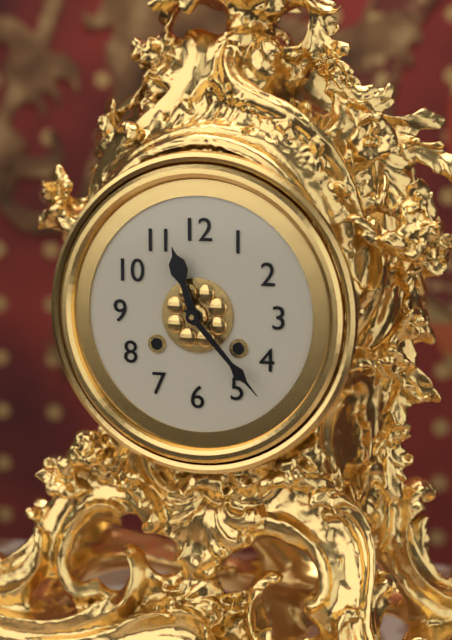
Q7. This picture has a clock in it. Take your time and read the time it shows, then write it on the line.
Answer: 11:23
